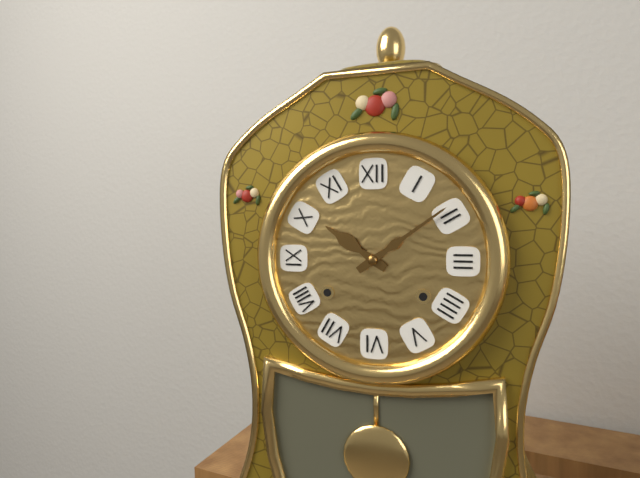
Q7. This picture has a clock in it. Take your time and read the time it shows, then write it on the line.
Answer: 10:09
